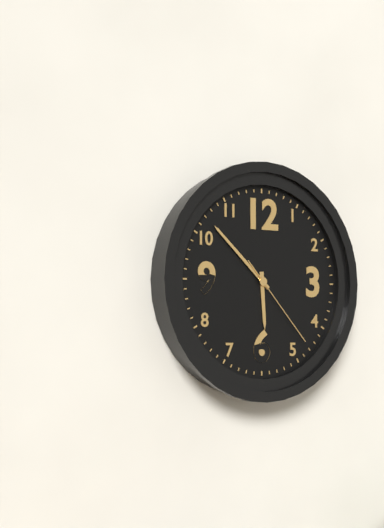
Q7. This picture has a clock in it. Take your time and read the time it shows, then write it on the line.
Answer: 5:52:23
